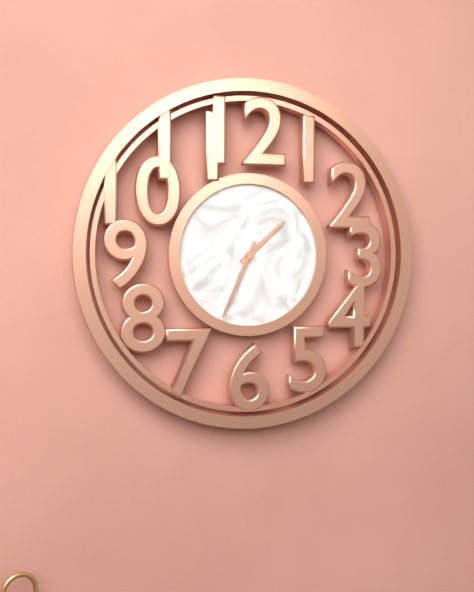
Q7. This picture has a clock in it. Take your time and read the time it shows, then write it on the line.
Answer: 1:34
